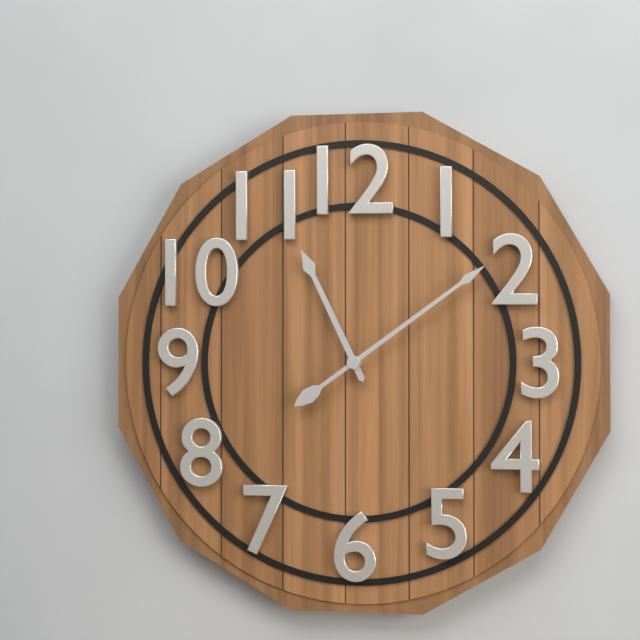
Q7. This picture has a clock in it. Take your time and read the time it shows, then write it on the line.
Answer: 11:09
